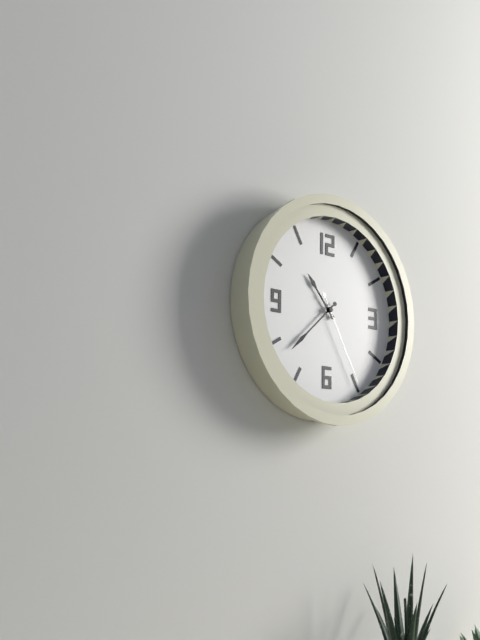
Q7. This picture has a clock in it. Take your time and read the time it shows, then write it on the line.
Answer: 10:38:25
